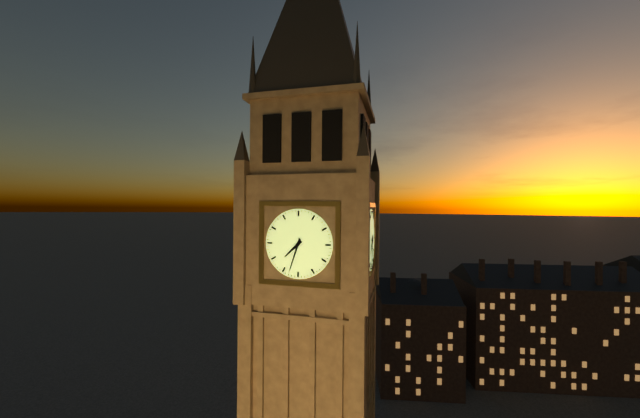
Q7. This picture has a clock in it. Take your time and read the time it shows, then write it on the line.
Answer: 7:33
